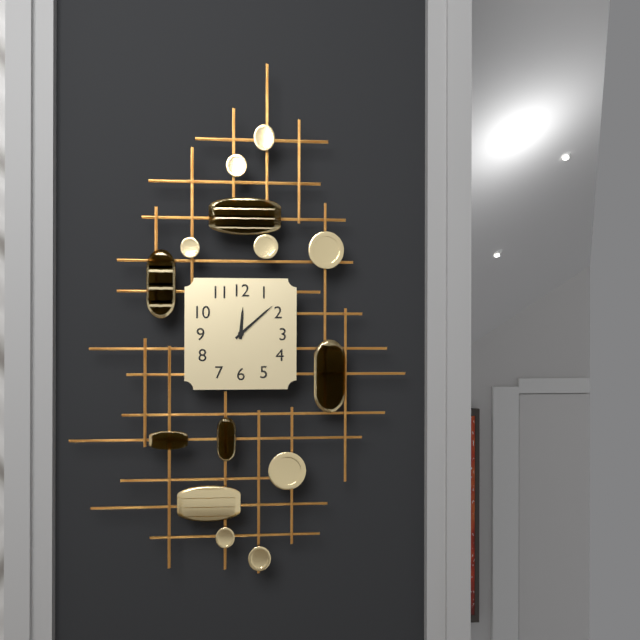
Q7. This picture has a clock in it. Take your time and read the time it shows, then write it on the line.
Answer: 12:08
